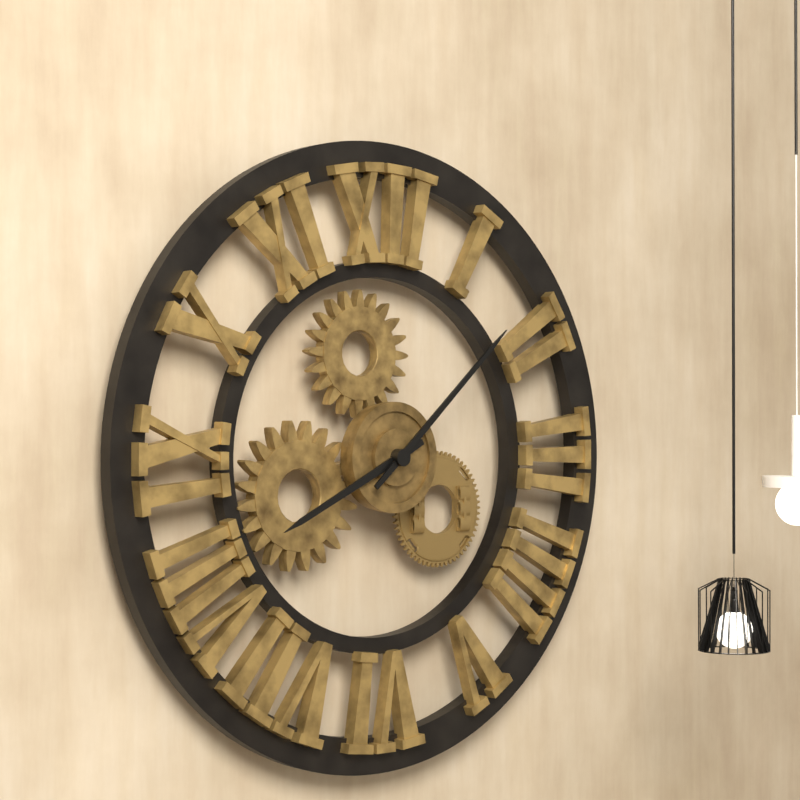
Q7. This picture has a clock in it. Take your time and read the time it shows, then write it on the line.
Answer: 8:08
